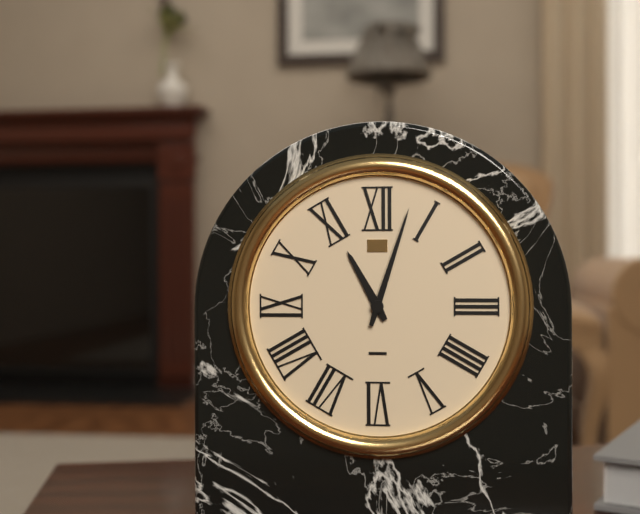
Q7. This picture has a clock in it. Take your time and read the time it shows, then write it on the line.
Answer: 11:03
